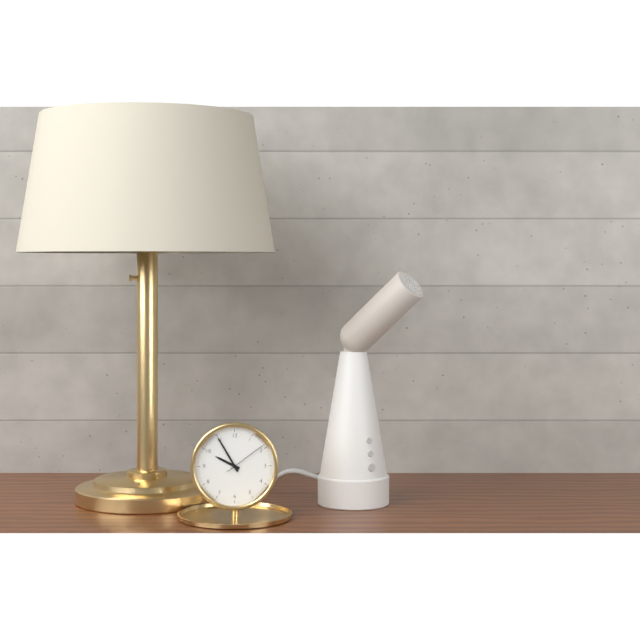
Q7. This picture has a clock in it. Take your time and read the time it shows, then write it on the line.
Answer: 9:55
